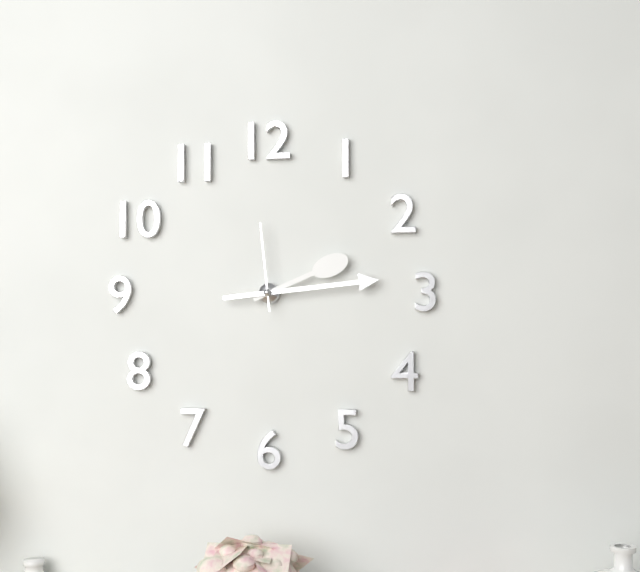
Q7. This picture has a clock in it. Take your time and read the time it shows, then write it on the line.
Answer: 2:14:59
